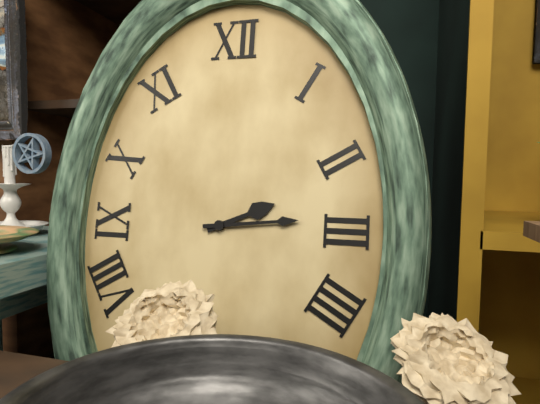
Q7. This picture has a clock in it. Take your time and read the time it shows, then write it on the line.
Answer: 2:14
